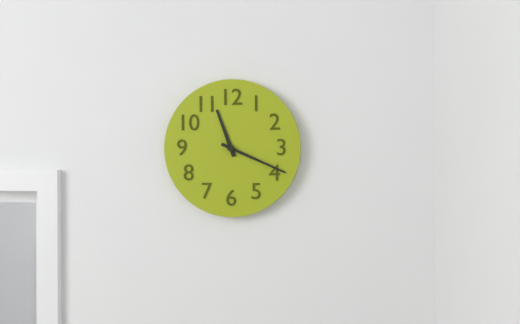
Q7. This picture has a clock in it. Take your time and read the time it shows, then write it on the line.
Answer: 11:19
